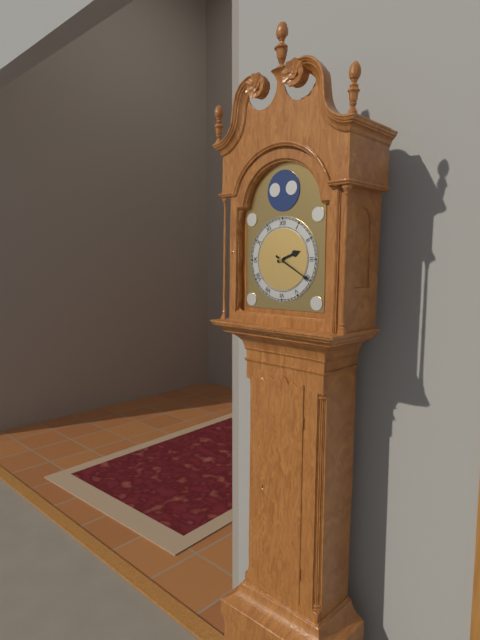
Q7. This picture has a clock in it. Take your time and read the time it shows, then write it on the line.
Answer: 2:20
